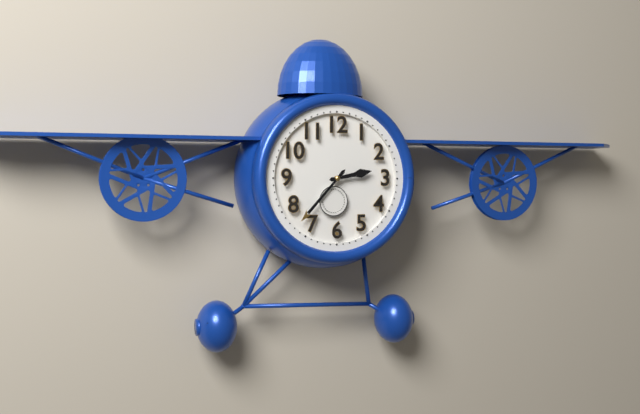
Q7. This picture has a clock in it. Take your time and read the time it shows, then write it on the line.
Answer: 2:37
